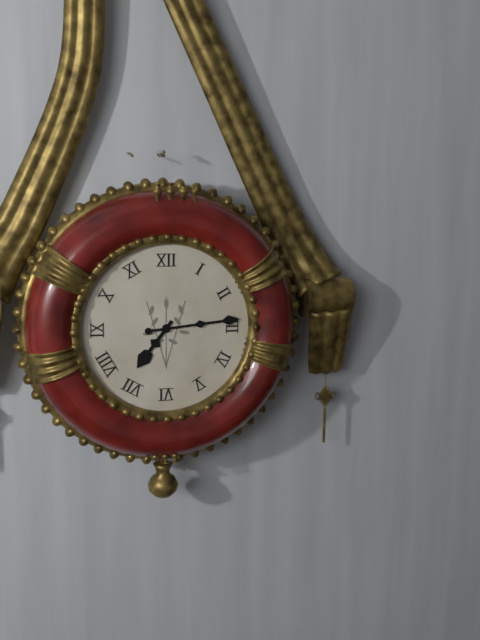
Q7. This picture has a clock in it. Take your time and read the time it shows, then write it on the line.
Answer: 7:14
